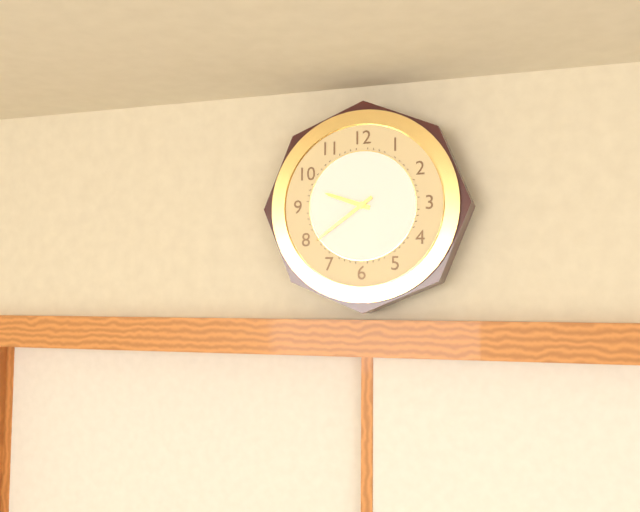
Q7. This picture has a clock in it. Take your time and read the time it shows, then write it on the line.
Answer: 9:39
